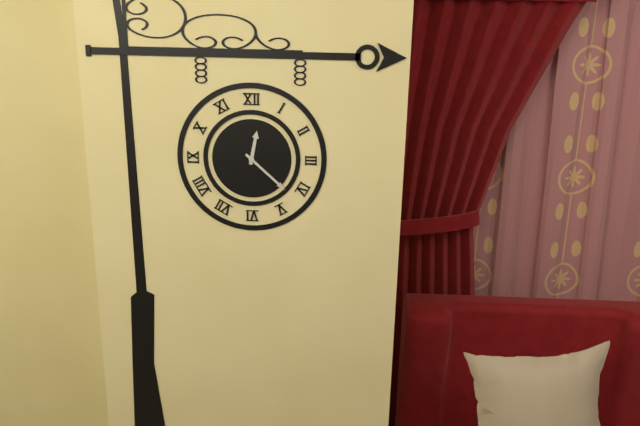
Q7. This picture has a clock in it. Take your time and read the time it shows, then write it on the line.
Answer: 12:22
